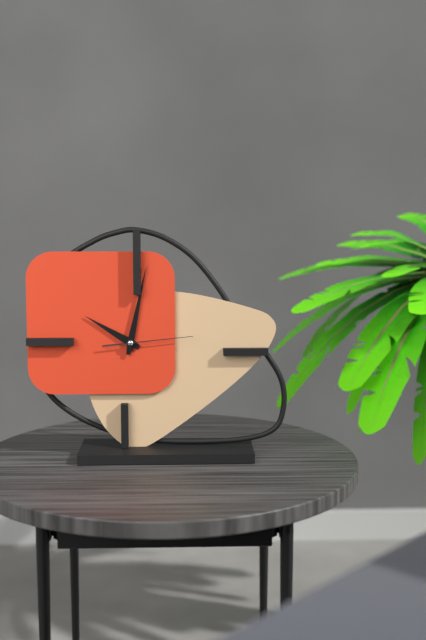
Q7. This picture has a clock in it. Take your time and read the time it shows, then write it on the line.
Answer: 10:02:14
